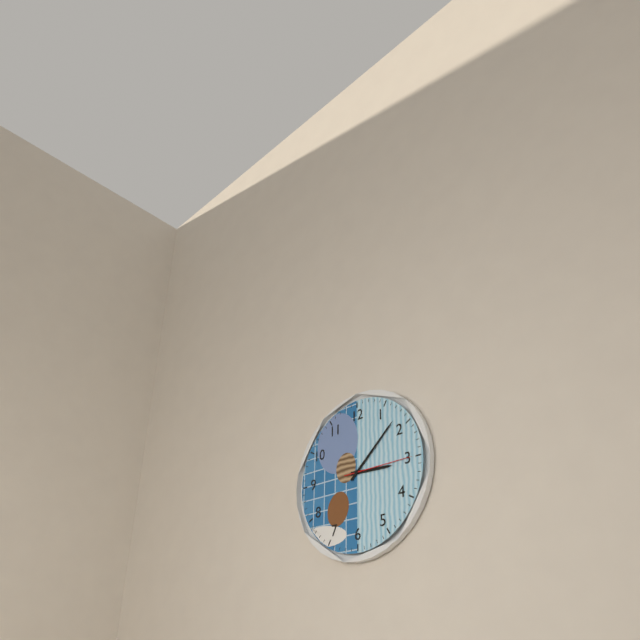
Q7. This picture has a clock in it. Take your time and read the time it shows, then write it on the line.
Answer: 3:08:15
